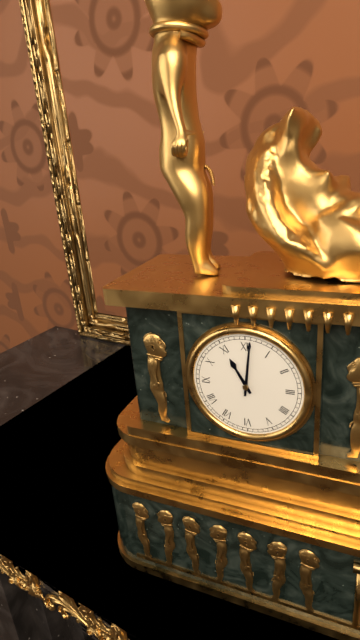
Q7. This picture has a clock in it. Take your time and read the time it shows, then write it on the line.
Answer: 11:01
